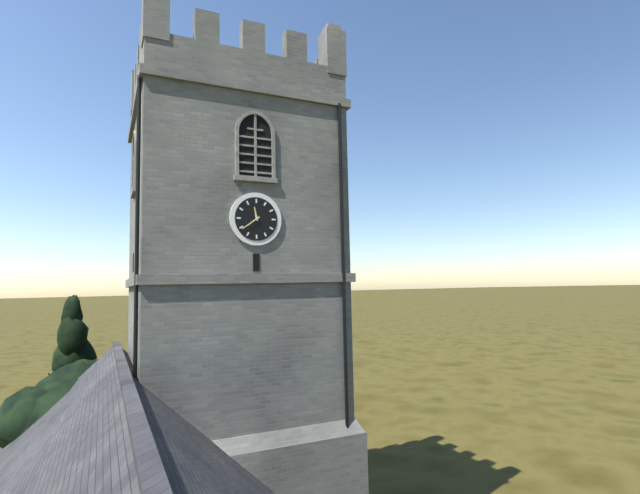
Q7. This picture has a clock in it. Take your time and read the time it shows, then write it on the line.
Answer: 11:39
